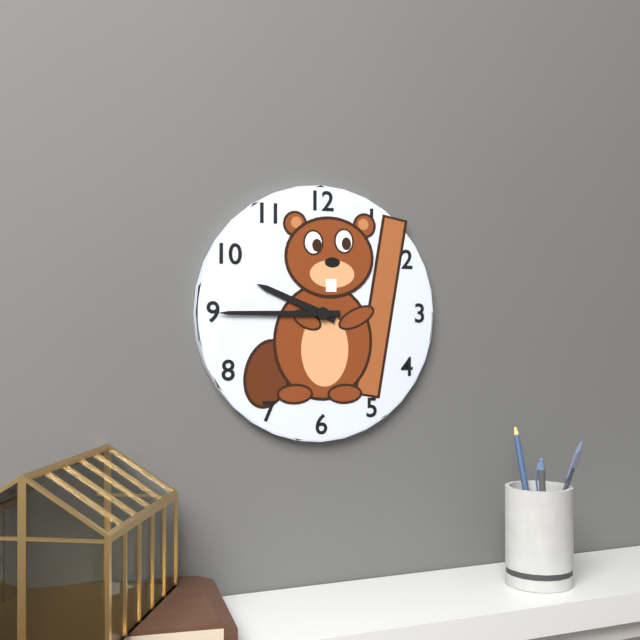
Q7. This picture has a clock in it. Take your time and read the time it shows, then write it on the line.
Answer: 9:45
